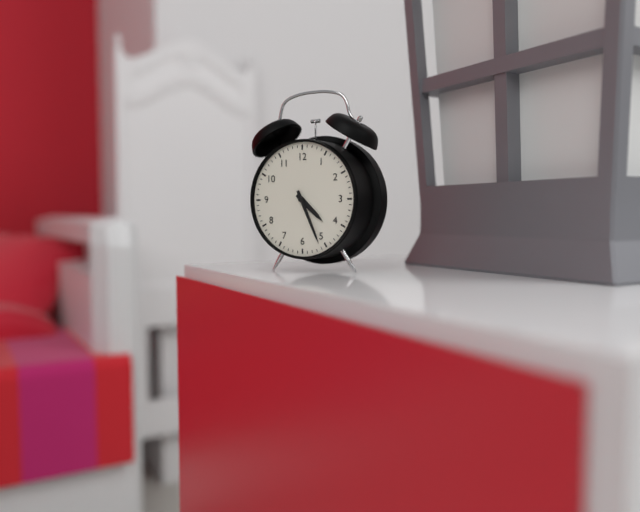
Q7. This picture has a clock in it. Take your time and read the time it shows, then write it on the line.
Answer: 4:26
